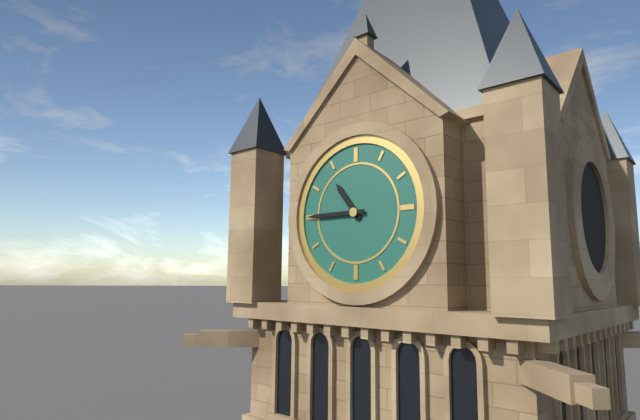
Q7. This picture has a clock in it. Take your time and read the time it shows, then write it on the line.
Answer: 10:45
